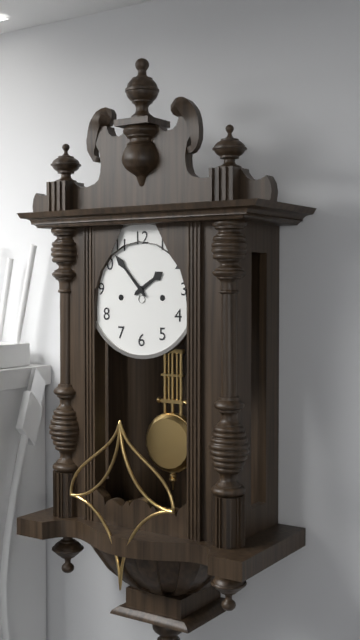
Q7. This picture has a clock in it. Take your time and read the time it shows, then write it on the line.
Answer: 1:53
